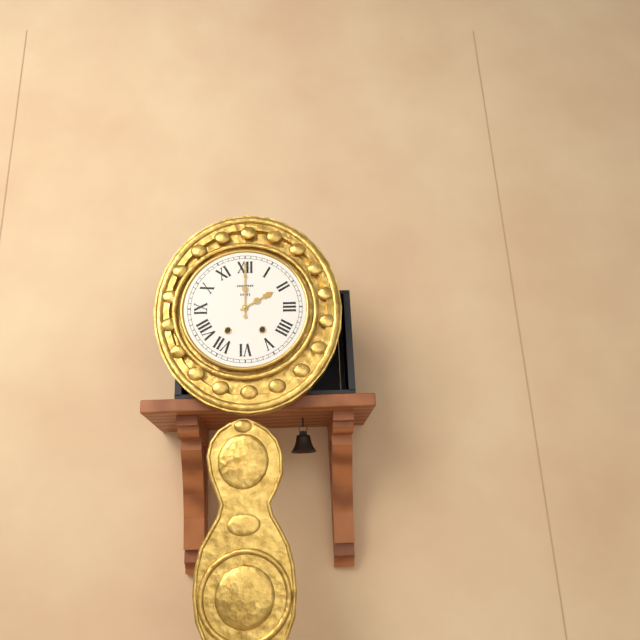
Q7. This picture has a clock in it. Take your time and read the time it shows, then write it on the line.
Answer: 2:00
